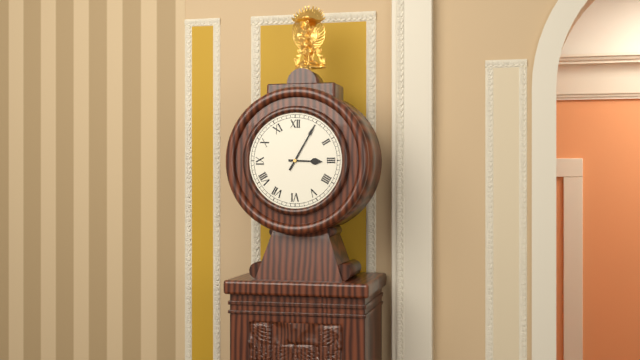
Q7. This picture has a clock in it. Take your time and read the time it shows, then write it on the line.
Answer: 3:05
